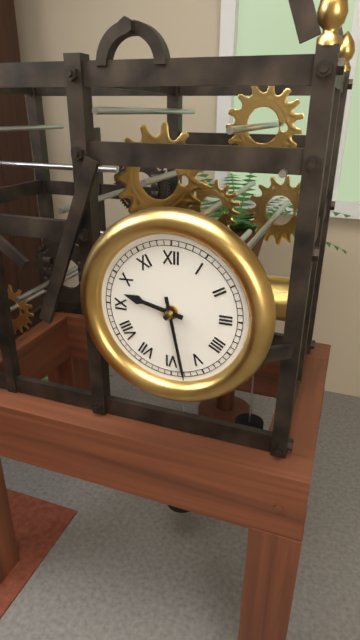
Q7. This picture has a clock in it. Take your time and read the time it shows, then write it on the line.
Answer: 9:28
